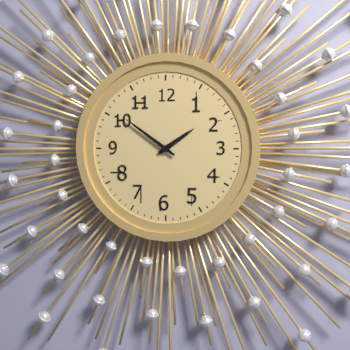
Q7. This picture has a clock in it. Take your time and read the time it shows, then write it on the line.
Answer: 1:51
